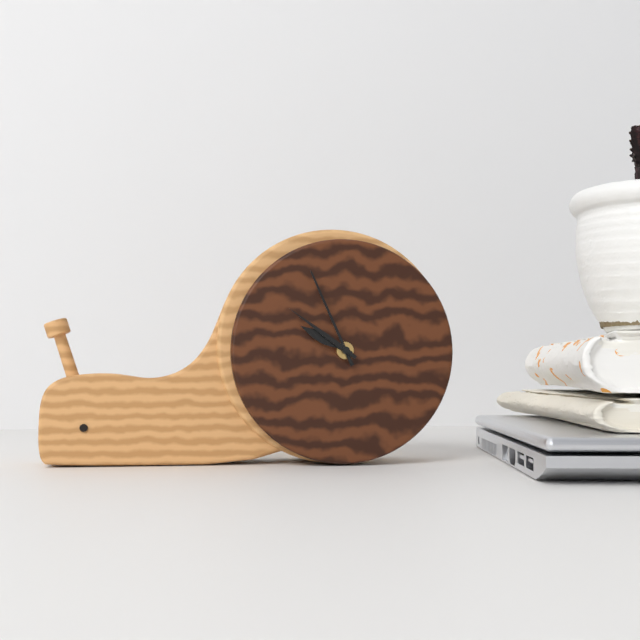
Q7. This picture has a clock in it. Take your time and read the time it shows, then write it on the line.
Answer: 9:56:51
